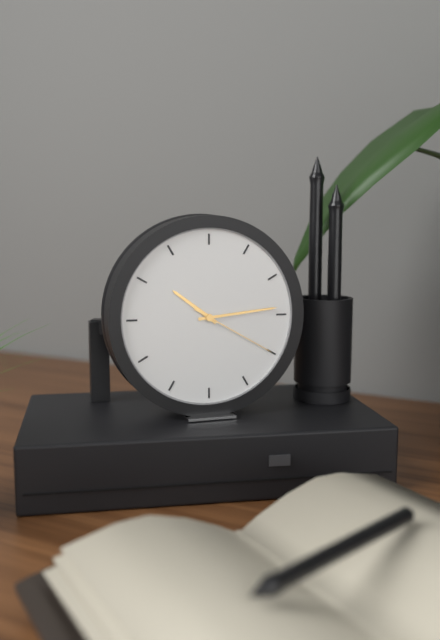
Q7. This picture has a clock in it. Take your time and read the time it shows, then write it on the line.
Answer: 10:14:20
